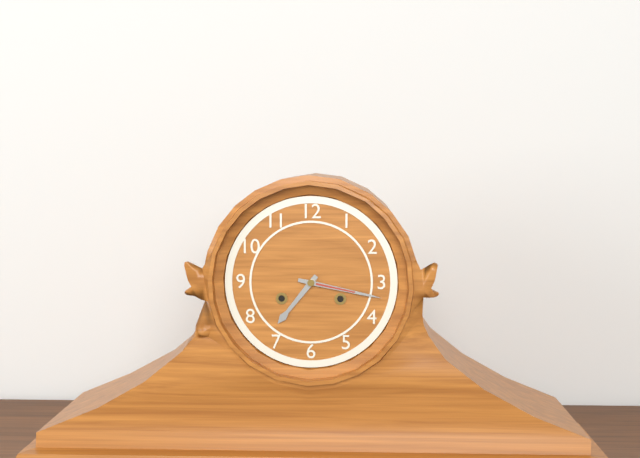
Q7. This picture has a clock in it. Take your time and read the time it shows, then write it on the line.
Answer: 7:17
